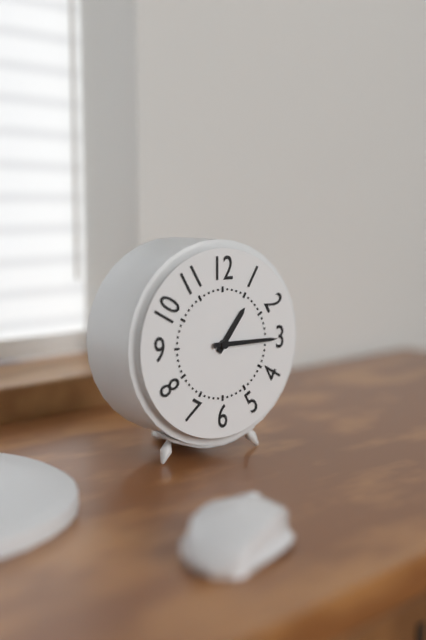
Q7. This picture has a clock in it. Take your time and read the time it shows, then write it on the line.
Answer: 1:15
